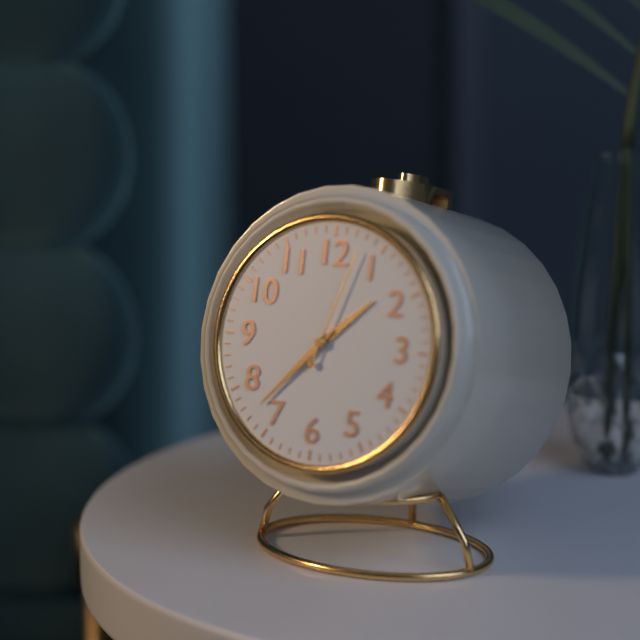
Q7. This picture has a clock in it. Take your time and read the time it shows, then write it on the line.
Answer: 1:37:03
